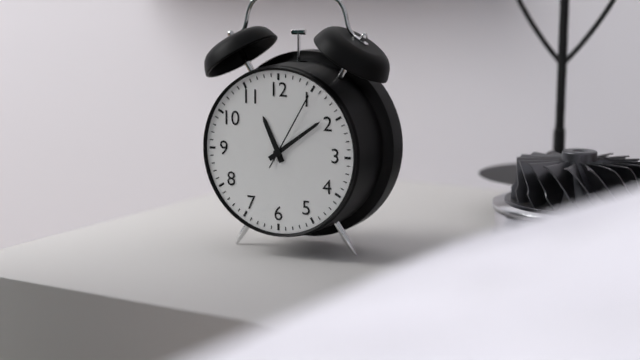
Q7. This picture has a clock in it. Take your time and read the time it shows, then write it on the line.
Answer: 11:09:05
